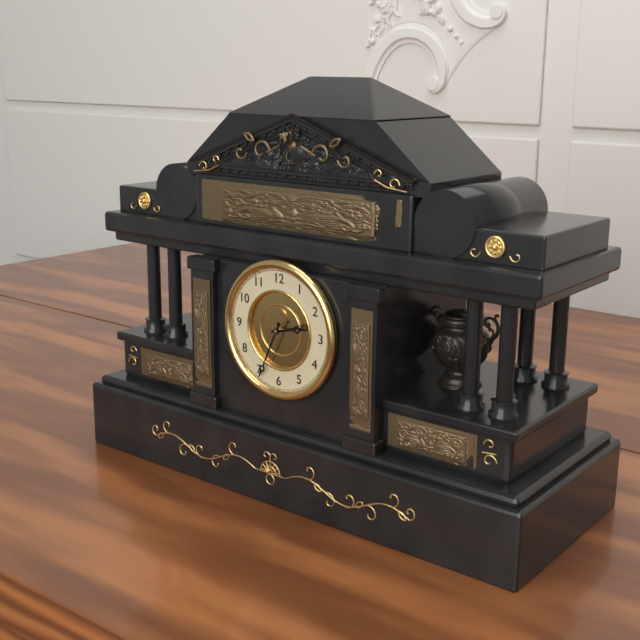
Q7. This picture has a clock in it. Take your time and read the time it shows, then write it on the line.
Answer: 2:34
